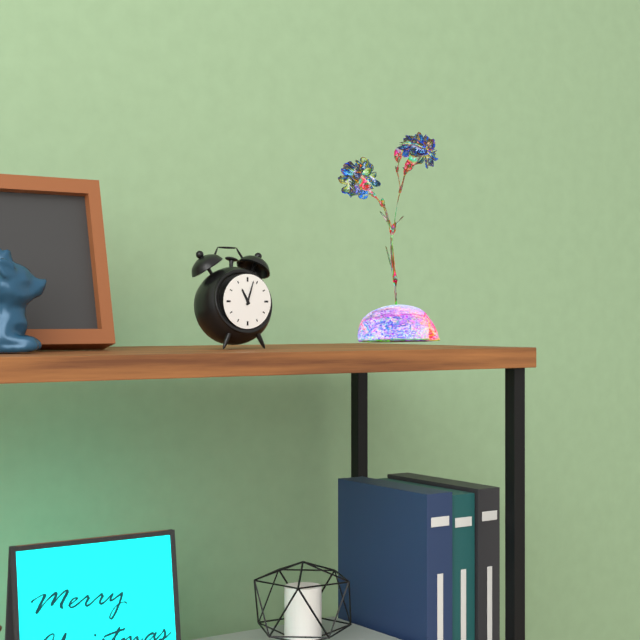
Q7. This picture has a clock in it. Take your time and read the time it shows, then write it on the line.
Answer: 11:03
